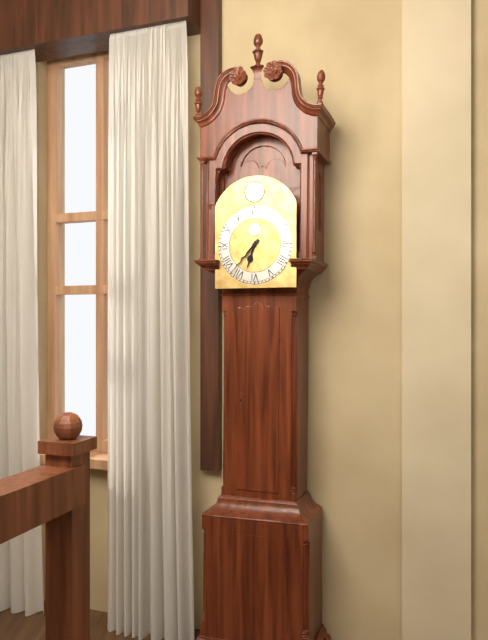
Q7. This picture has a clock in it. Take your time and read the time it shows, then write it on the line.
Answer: 6:37
